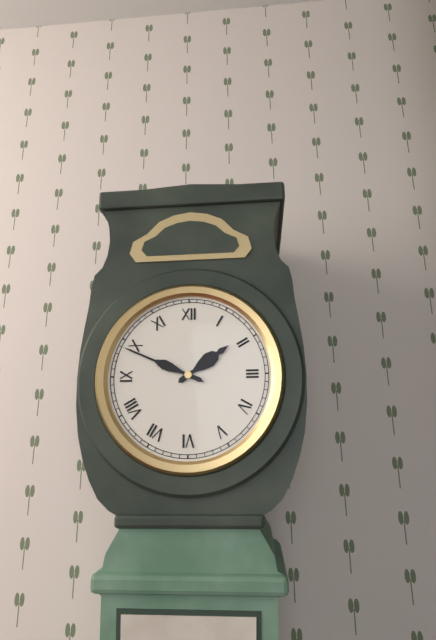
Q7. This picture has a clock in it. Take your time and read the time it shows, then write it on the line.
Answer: 1:49
